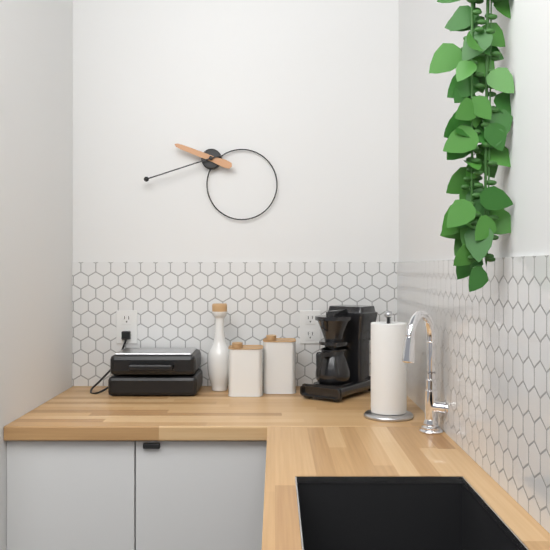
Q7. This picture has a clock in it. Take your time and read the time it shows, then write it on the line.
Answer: 9:42
